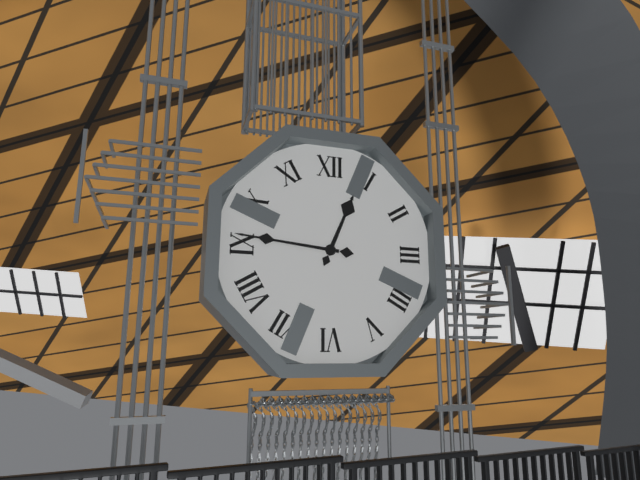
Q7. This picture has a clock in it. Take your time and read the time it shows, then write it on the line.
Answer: 12:46
